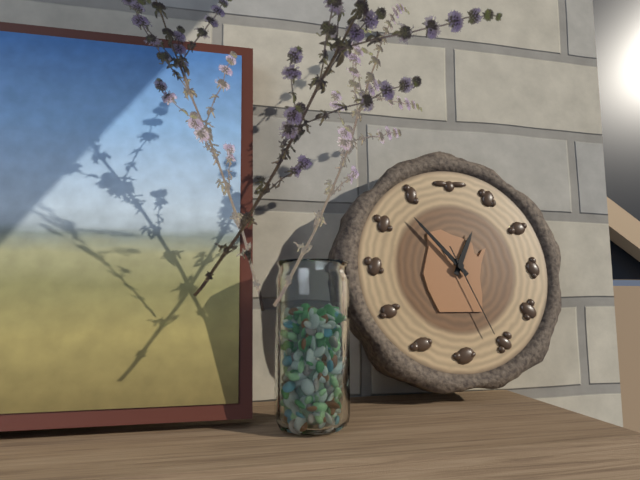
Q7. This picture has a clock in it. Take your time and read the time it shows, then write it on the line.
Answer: 12:53:26
